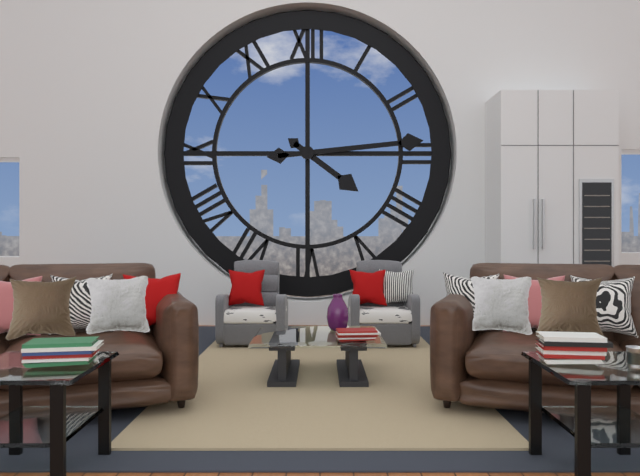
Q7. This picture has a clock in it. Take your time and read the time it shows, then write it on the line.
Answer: 4:14
